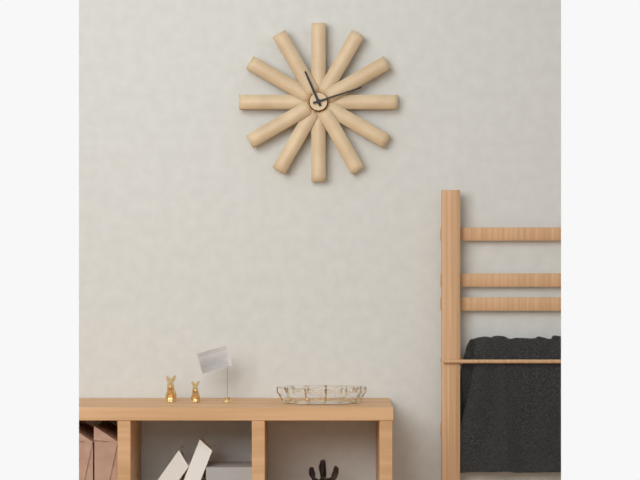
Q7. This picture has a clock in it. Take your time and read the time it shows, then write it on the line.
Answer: 11:12
